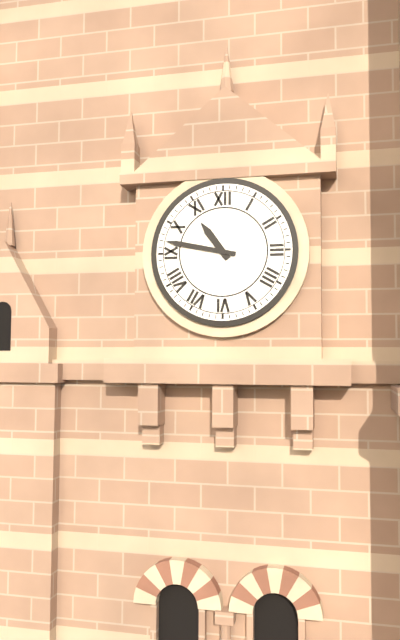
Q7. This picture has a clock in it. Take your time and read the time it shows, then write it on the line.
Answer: 10:47
